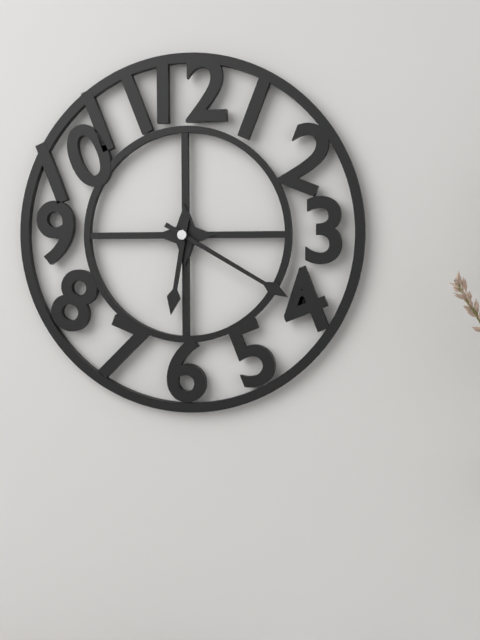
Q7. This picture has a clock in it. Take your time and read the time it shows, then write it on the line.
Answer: 6:20
